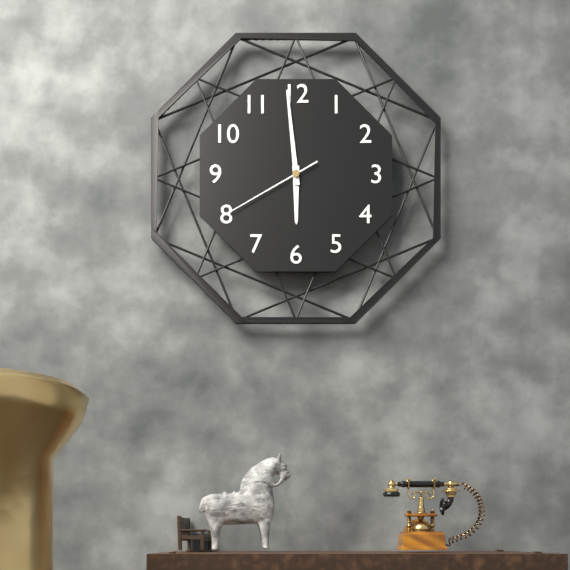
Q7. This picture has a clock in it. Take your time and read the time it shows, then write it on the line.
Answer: 5:59:40
